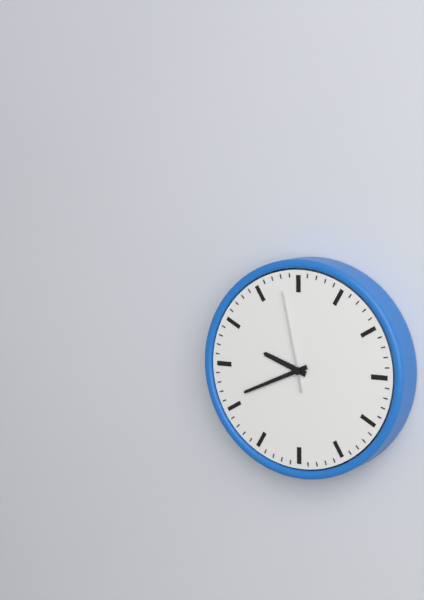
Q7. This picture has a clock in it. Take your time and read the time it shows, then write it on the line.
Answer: 9:41:58
